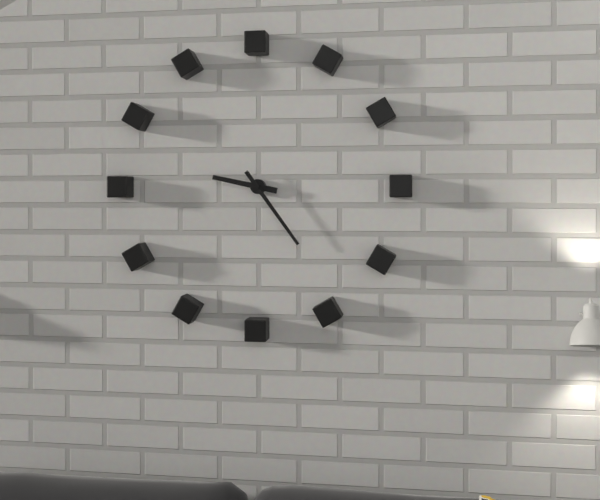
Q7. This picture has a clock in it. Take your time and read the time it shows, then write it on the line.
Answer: 9:24
